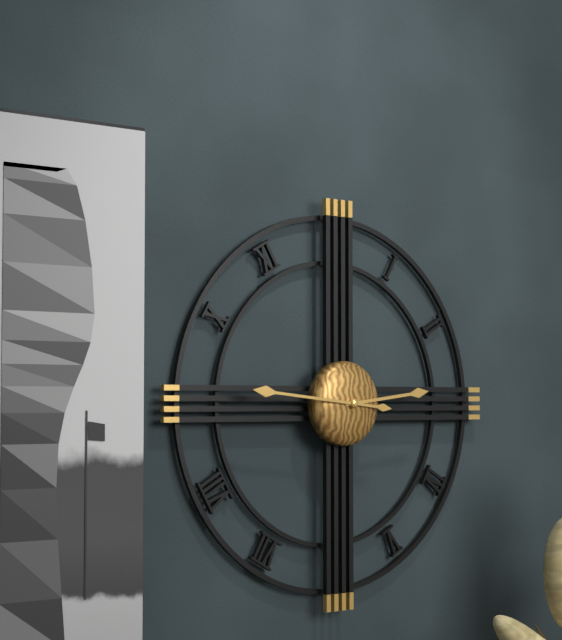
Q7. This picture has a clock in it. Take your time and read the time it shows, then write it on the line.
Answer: 2:46
